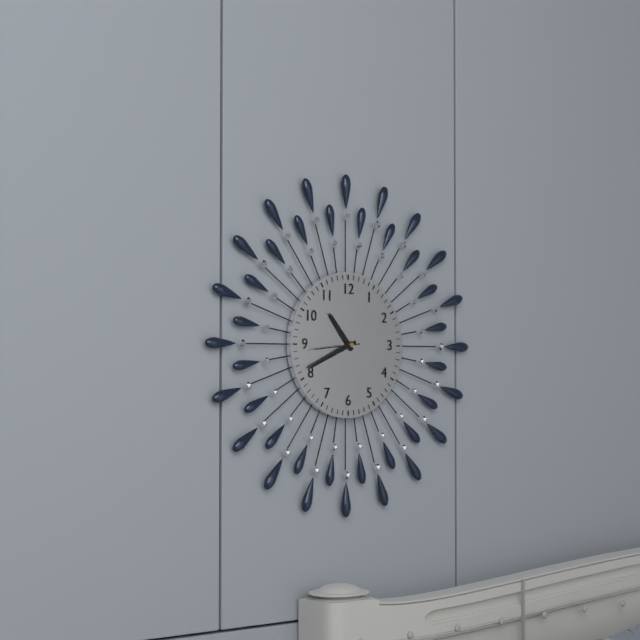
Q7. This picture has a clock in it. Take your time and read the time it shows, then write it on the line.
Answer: 10:41
